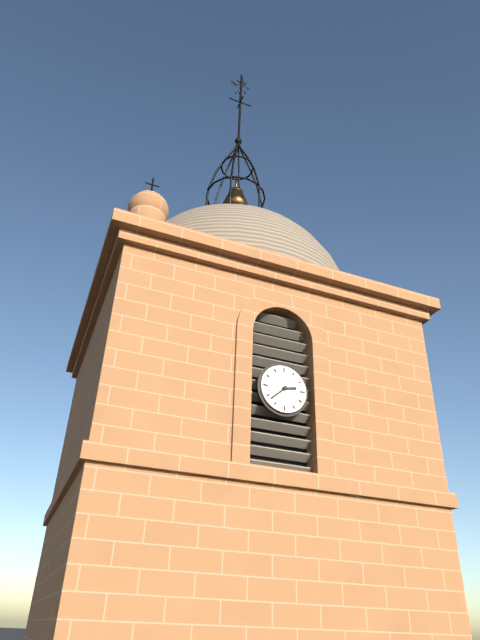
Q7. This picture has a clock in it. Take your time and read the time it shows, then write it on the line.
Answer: 2:38
